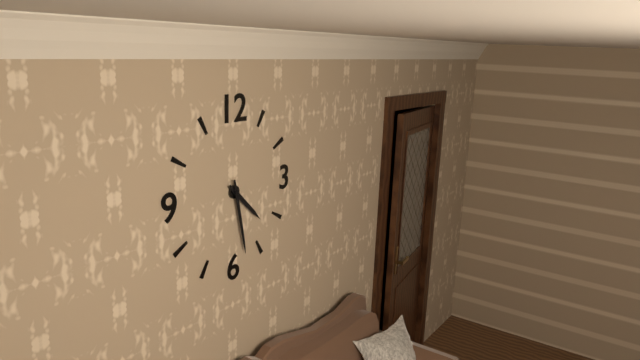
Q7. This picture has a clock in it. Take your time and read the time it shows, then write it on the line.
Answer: 4:28
